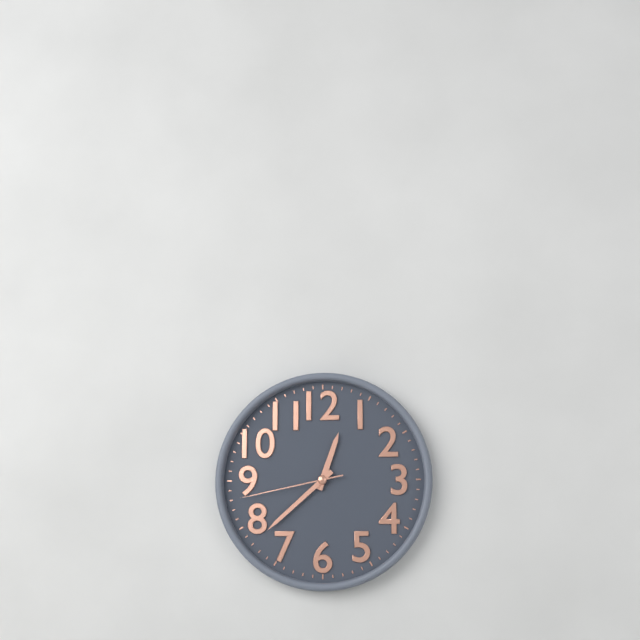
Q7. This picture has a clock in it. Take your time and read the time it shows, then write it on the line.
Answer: 12:38:43
